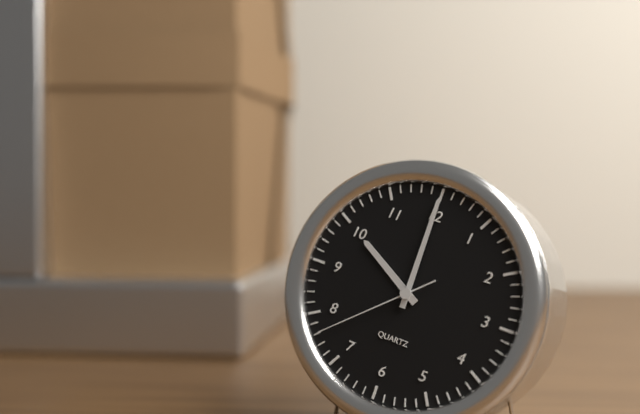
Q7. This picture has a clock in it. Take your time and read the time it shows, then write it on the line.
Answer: 10:00:38
